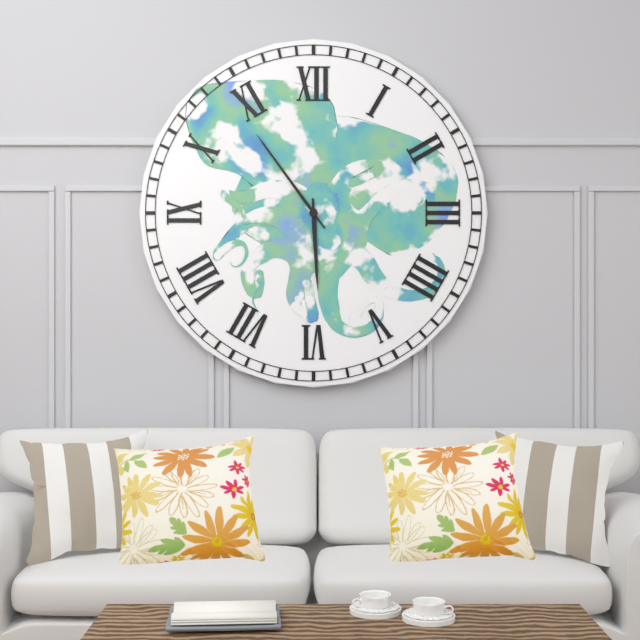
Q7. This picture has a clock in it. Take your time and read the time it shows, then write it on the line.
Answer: 5:54
